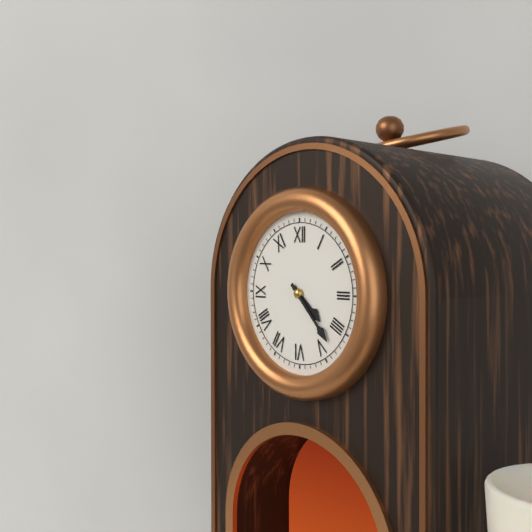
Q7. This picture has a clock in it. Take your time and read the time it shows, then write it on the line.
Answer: 4:23
